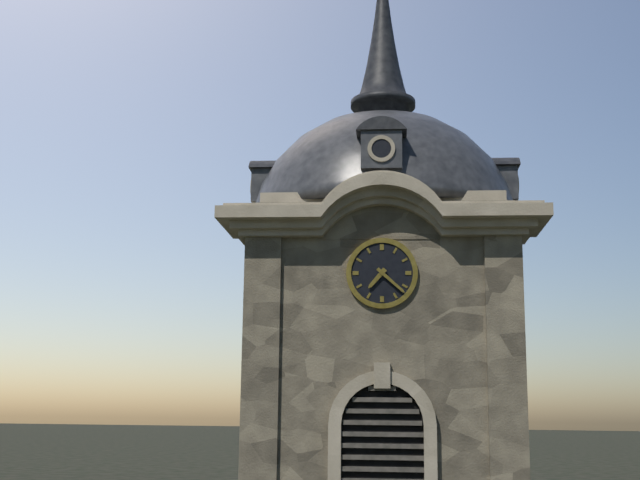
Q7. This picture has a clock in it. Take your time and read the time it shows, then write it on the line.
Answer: 7:22
